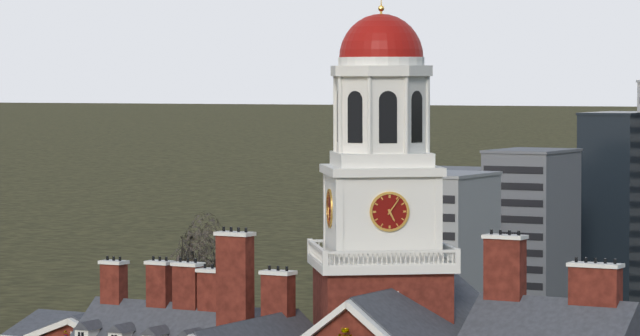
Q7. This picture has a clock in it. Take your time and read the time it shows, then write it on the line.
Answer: 5:06
